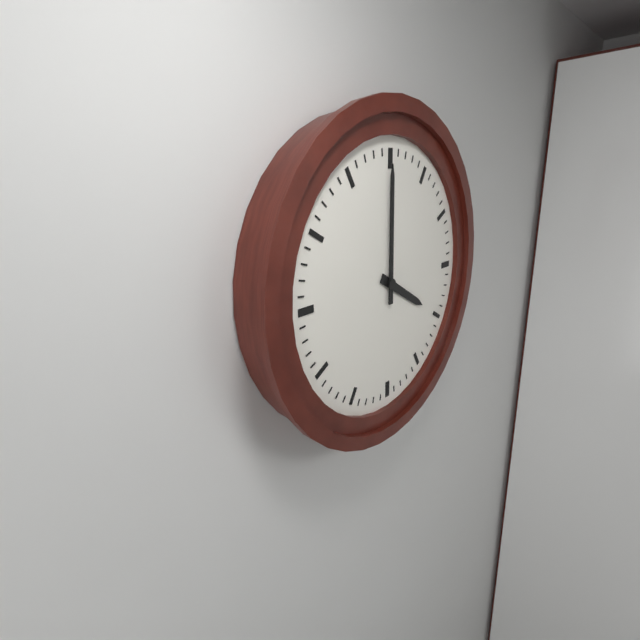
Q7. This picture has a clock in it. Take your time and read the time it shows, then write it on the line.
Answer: 4:00
